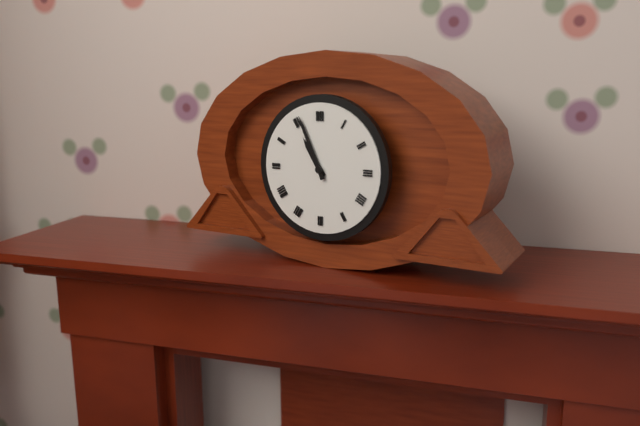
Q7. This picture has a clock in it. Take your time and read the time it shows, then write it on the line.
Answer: 10:56
